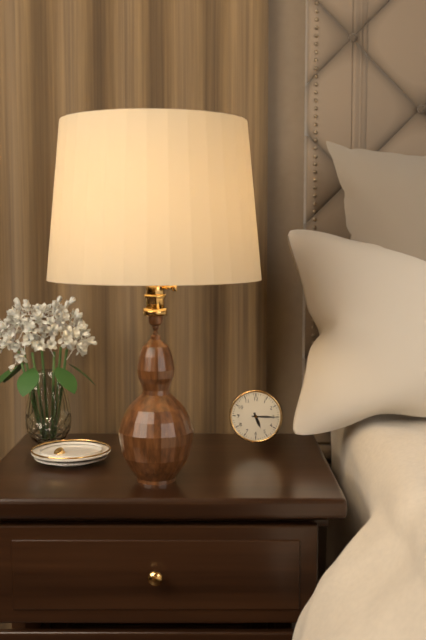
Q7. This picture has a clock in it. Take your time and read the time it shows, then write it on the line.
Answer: 5:15
